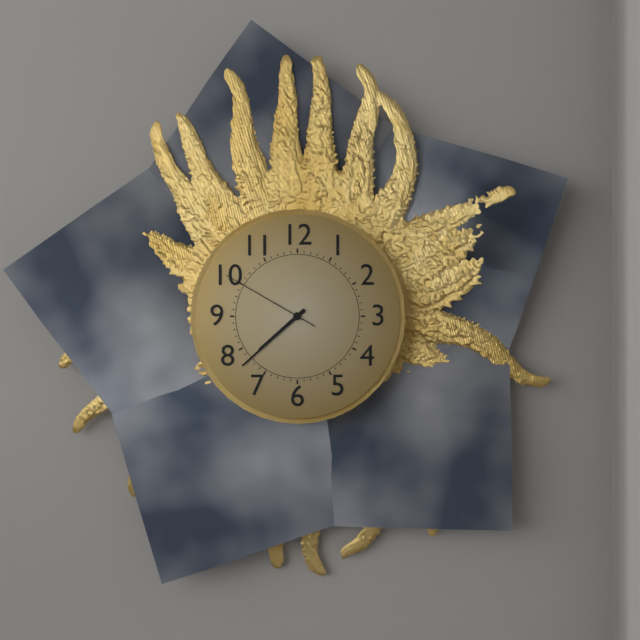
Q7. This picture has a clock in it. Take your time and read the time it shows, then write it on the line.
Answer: 7:38:50
